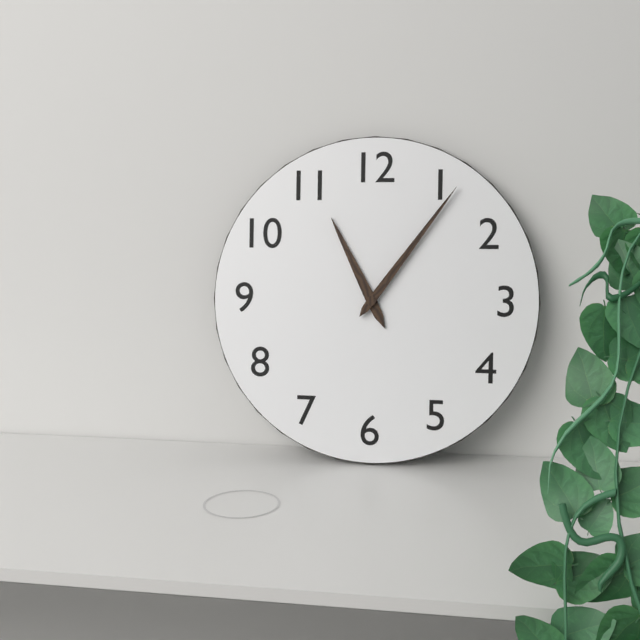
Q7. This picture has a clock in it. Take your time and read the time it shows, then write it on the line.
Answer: 11:06
